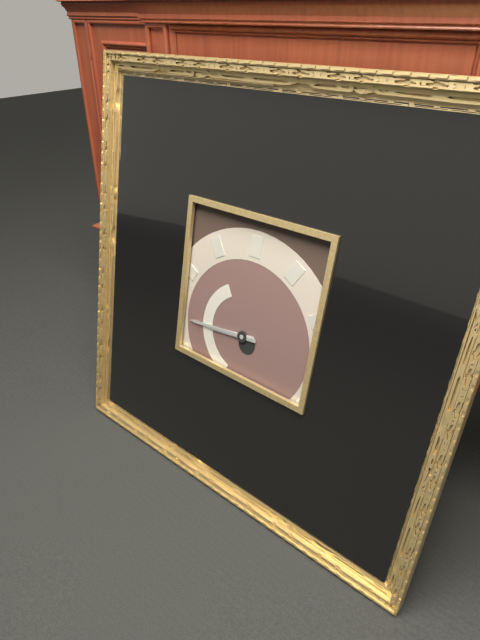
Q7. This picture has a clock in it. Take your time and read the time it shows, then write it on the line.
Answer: 8:44
